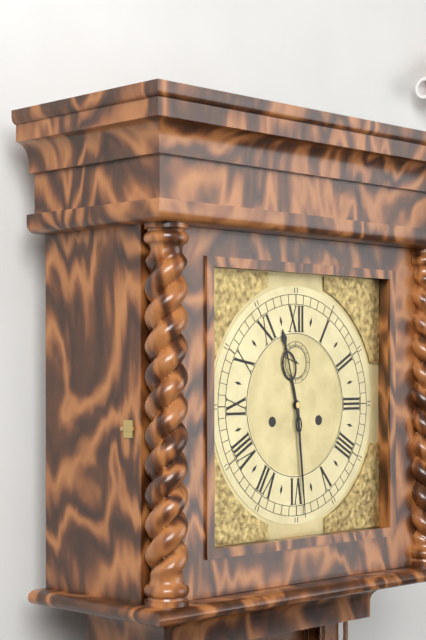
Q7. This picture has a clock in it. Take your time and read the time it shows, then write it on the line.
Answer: 11:29
